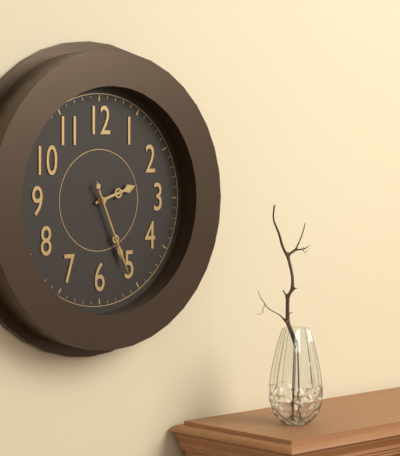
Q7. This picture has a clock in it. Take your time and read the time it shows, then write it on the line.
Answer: 2:26:26
